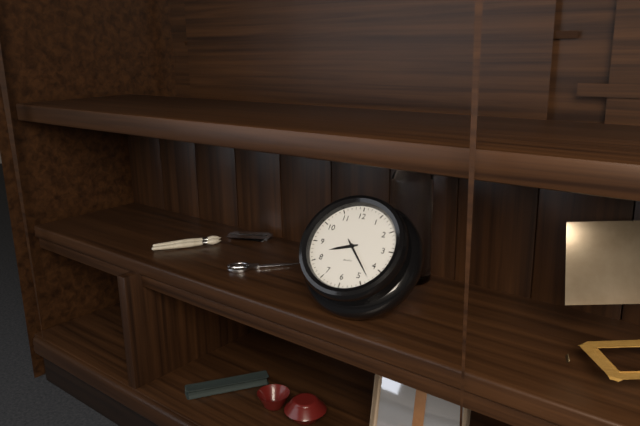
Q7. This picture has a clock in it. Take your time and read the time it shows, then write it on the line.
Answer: 8:23
